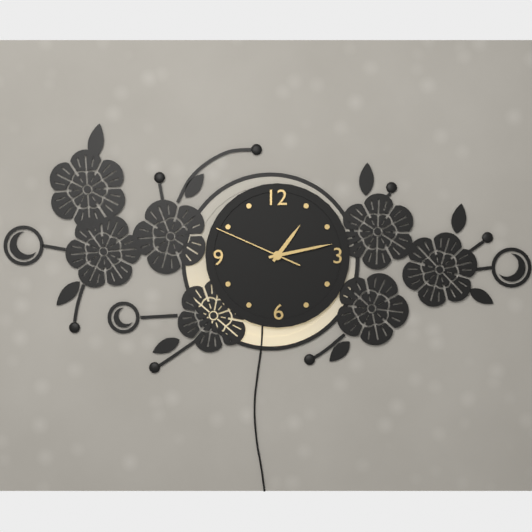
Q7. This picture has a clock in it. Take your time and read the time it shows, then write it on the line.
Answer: 1:13:49
